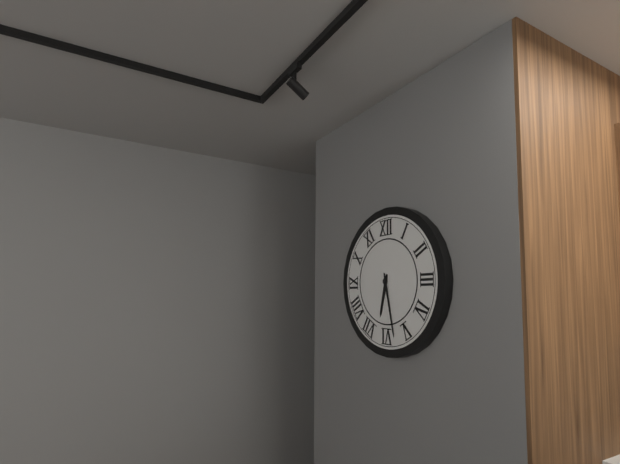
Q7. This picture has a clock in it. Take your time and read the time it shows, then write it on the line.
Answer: 6:28
